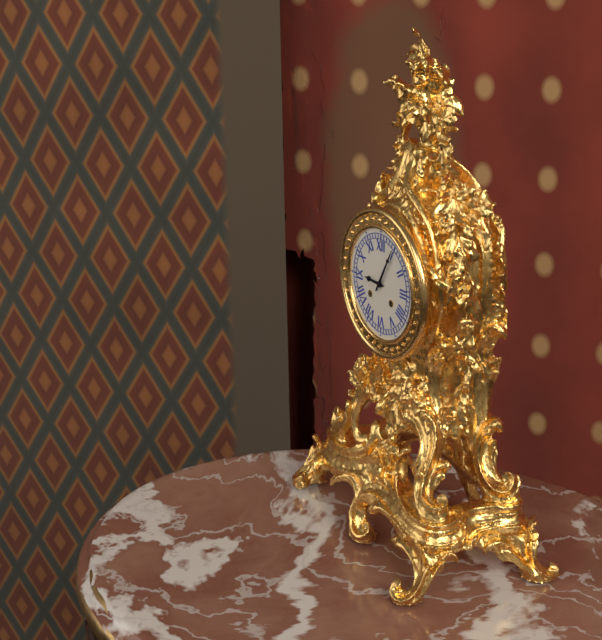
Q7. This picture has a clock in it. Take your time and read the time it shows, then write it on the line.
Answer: 9:05
